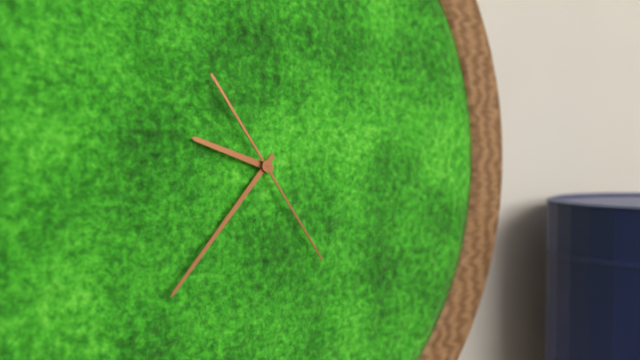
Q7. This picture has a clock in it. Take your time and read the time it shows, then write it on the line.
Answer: 9:37:24
